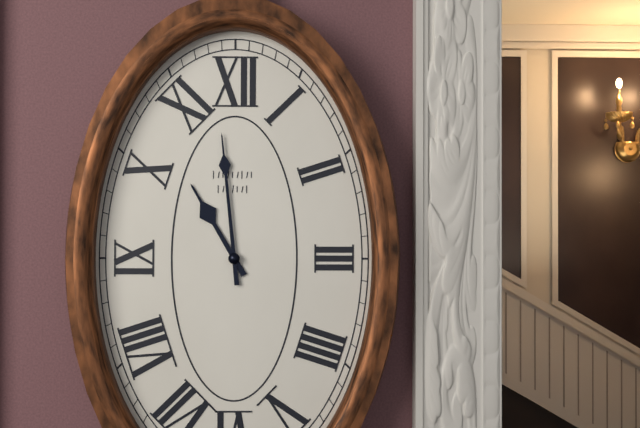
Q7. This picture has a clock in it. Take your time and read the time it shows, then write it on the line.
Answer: 10:59
